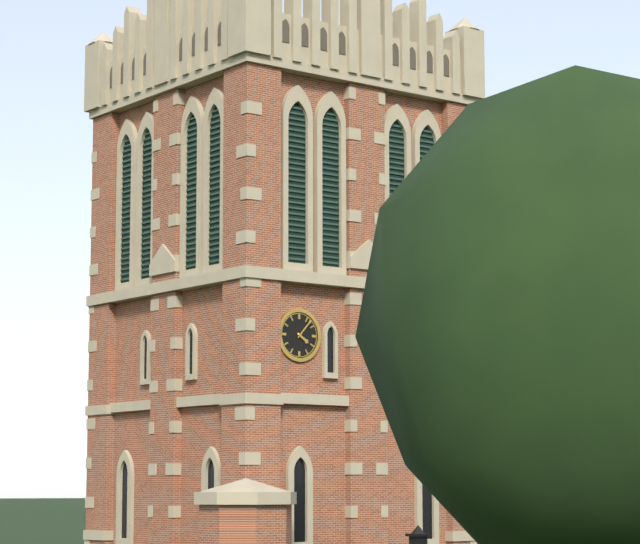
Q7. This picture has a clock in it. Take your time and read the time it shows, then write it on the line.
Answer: 4:07
